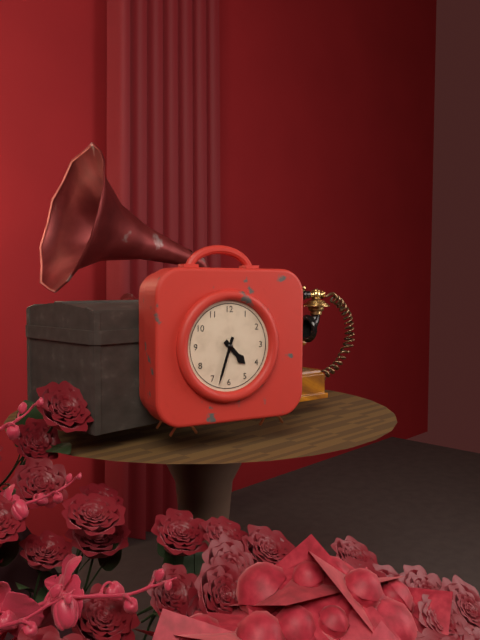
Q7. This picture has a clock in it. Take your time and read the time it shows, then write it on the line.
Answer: 4:33
